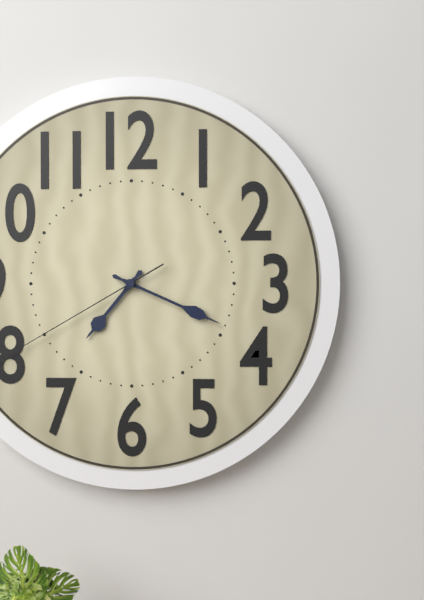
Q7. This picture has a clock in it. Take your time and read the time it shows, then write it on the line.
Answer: 7:19
